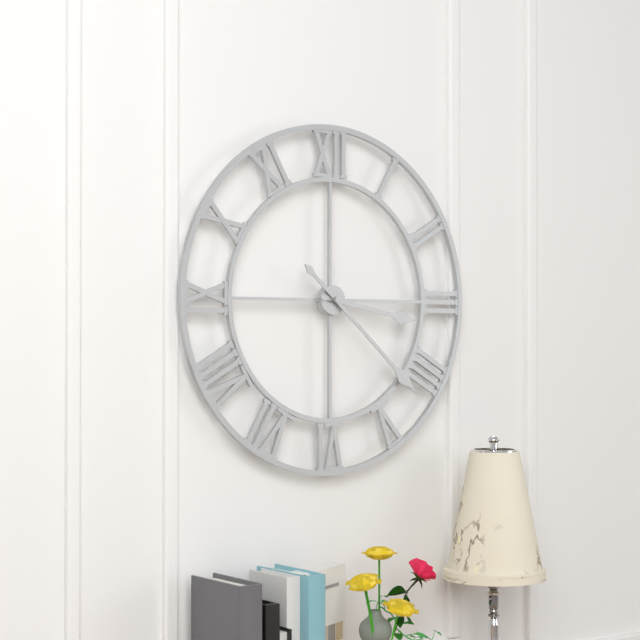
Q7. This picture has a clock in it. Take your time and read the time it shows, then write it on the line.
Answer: 3:22
